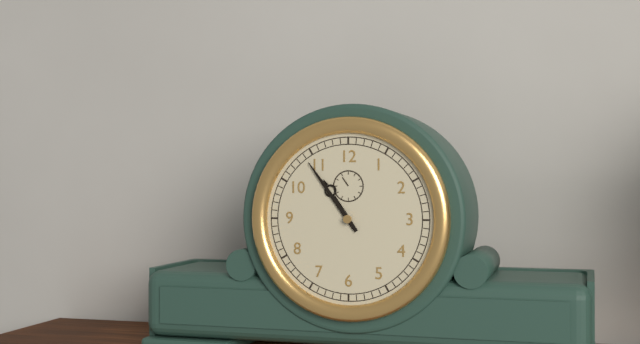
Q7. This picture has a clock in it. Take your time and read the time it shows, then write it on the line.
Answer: 10:54
